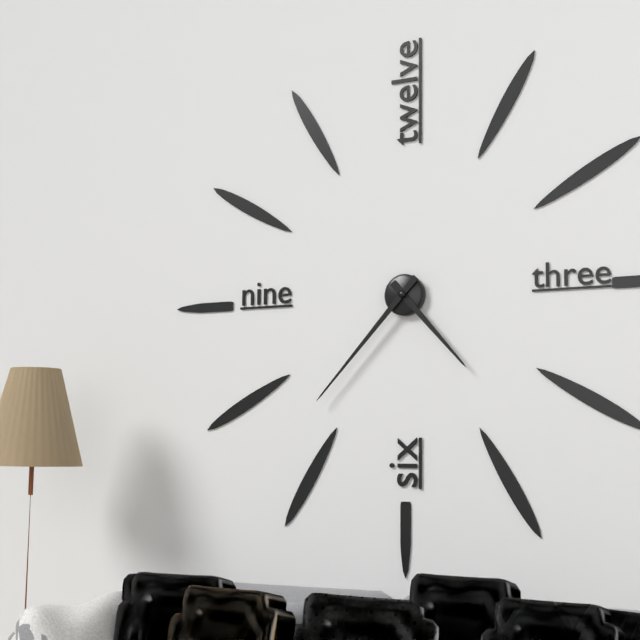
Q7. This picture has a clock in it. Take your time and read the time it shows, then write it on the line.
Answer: 4:37
